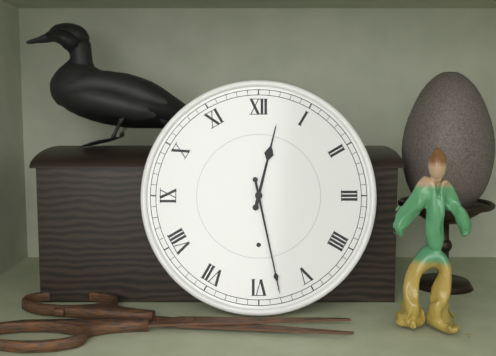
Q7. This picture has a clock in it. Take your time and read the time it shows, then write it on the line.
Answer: 12:28
